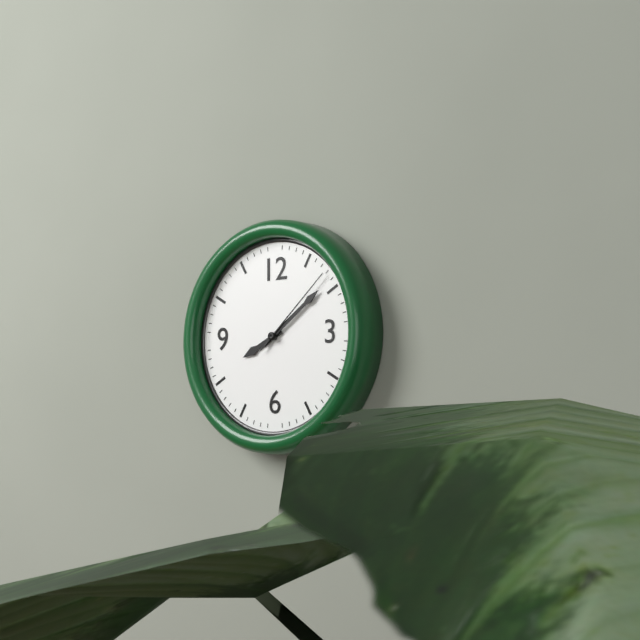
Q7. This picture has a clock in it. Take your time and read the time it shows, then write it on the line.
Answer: 8:09:08
